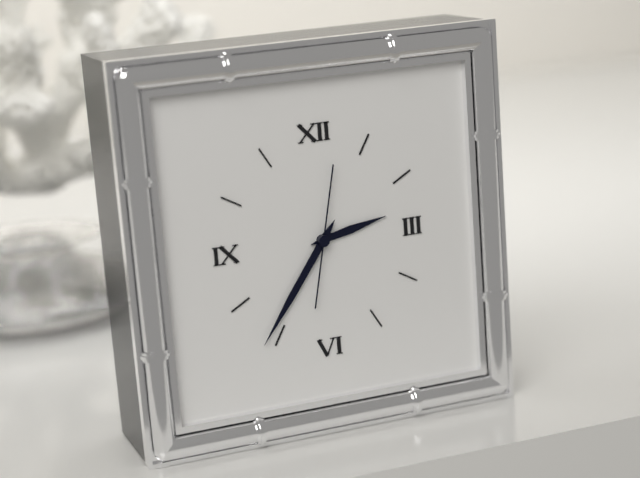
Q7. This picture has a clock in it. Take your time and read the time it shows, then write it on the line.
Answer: 2:36:02
